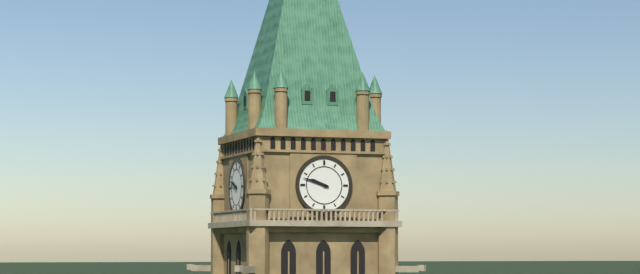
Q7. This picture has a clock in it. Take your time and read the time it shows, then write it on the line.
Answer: 9:48
